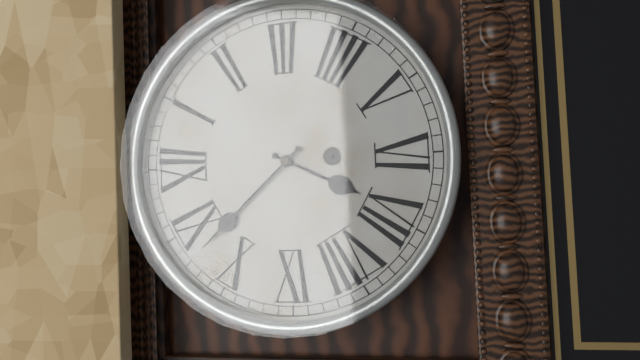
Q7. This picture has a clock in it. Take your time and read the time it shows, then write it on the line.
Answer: 6:53
